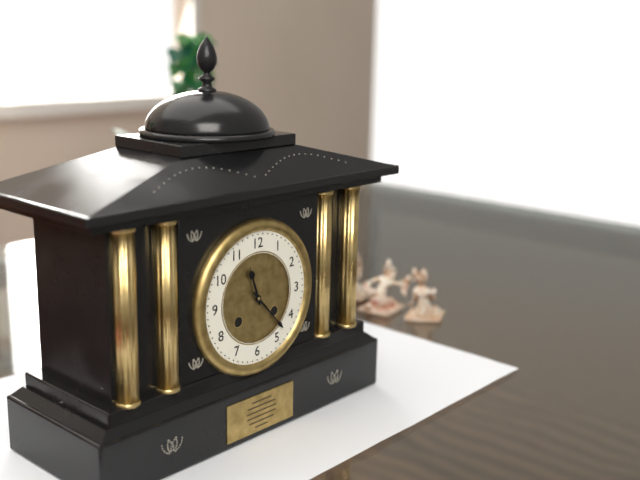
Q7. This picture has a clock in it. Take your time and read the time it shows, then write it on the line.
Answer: 11:23
